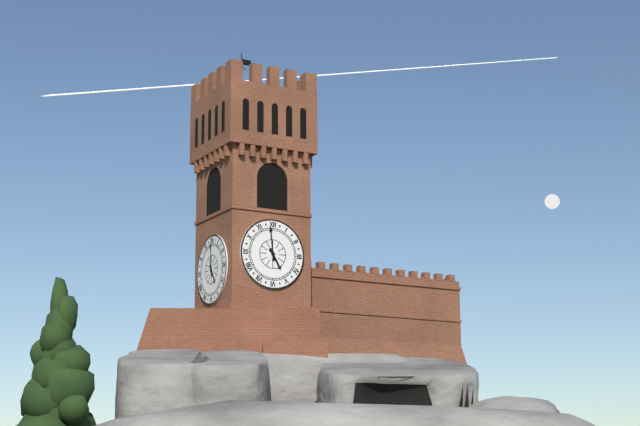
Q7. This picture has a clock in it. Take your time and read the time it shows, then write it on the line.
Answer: 4:59
